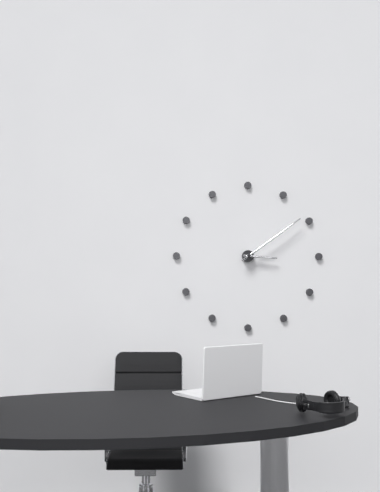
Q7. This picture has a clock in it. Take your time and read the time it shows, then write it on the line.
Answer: 3:09
